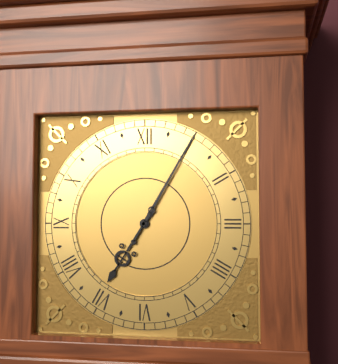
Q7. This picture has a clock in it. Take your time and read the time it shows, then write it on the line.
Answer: 7:05
